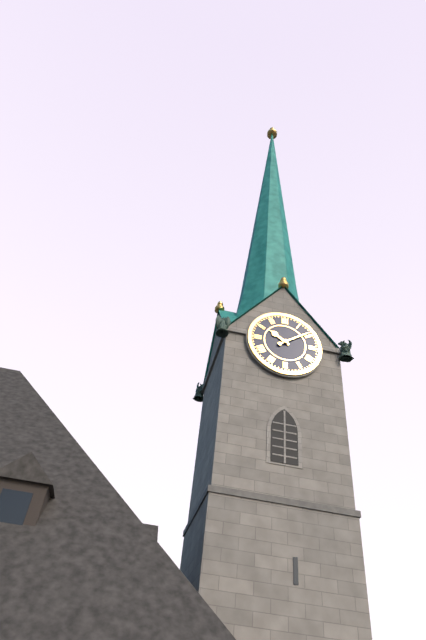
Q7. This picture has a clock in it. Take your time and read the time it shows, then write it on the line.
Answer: 10:09
